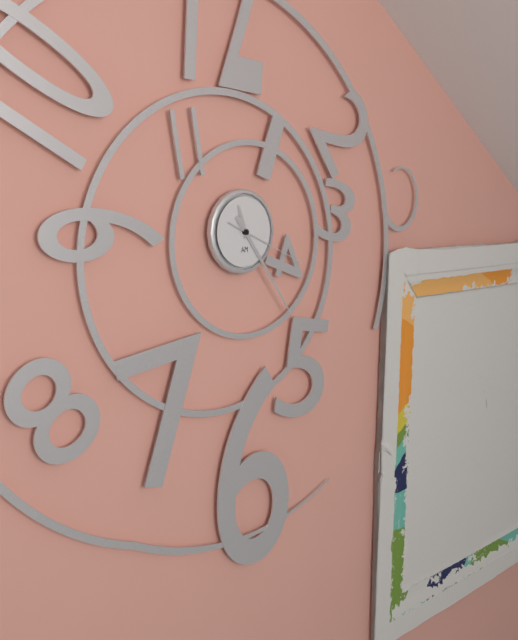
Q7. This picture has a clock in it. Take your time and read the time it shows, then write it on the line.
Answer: 11:24:19
